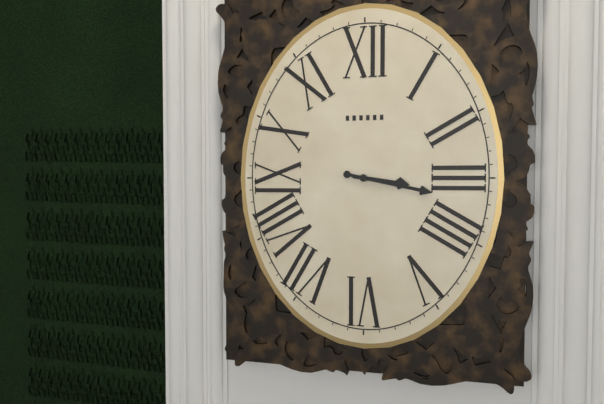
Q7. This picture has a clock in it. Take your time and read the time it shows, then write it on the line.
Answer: 3:17
